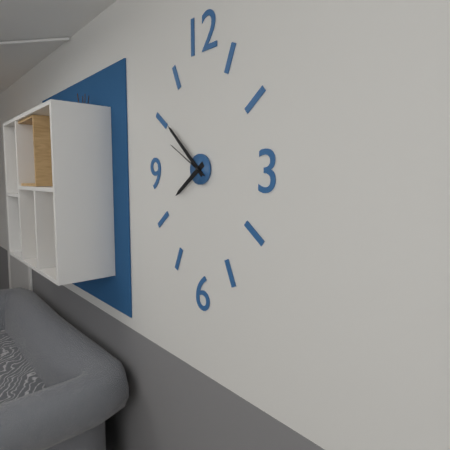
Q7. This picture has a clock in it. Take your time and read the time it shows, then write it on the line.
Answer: 7:52
